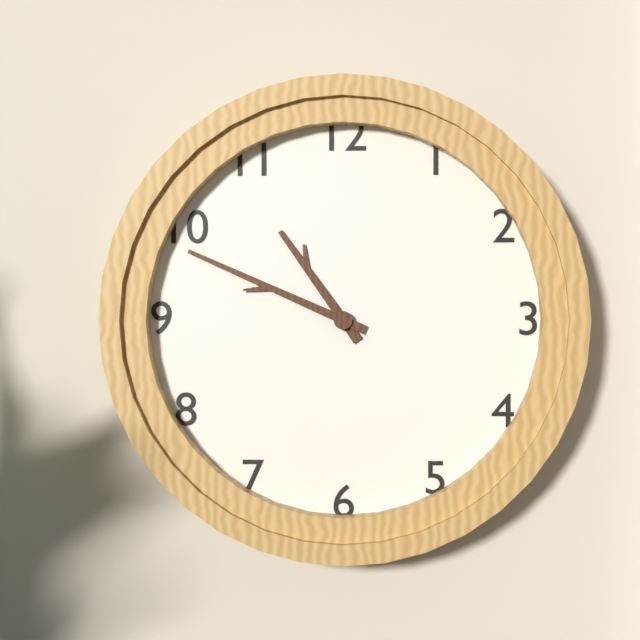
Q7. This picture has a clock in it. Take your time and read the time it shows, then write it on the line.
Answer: 10:49
